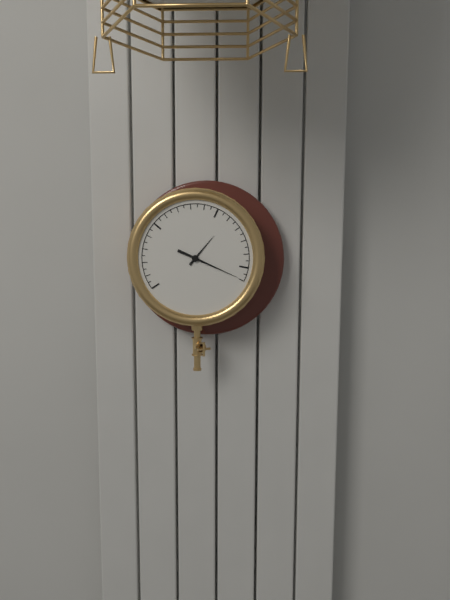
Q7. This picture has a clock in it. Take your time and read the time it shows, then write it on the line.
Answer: 1:19
